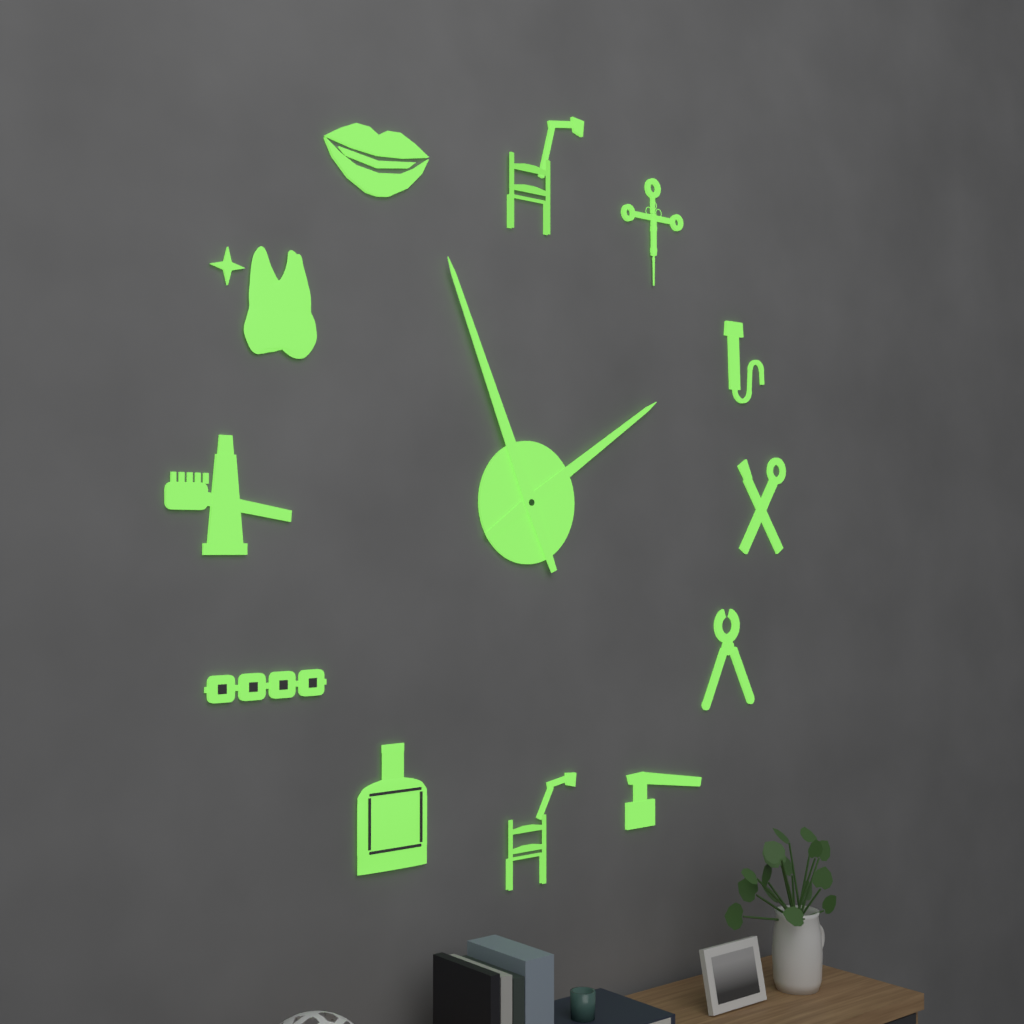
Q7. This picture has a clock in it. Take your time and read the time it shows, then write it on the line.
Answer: 1:56
